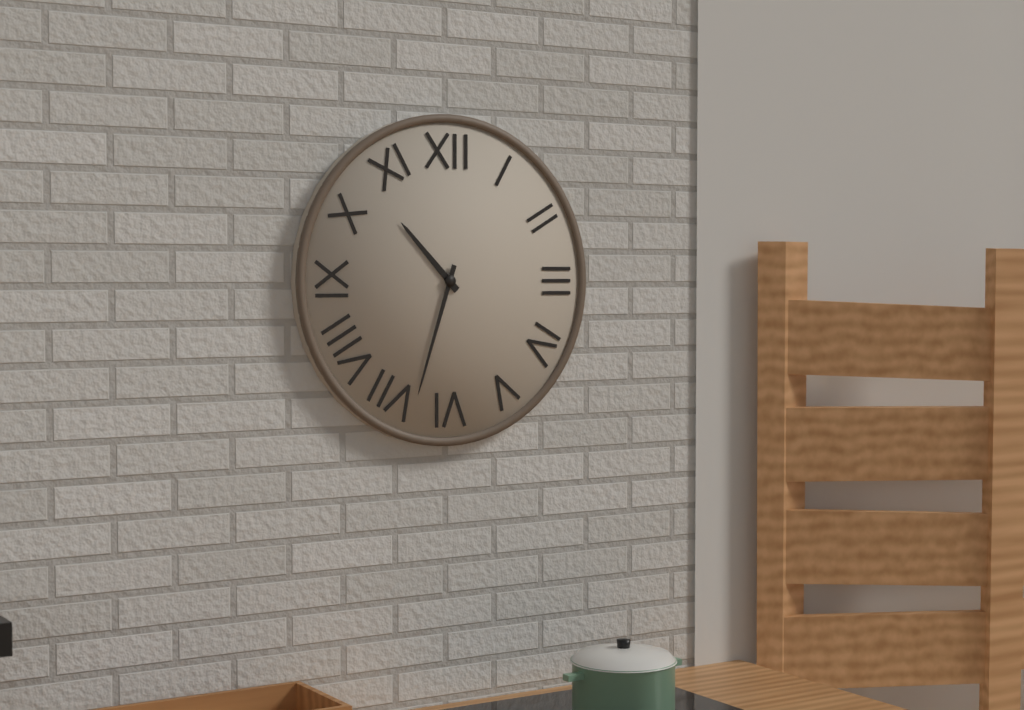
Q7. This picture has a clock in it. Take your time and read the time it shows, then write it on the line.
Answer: 10:33
